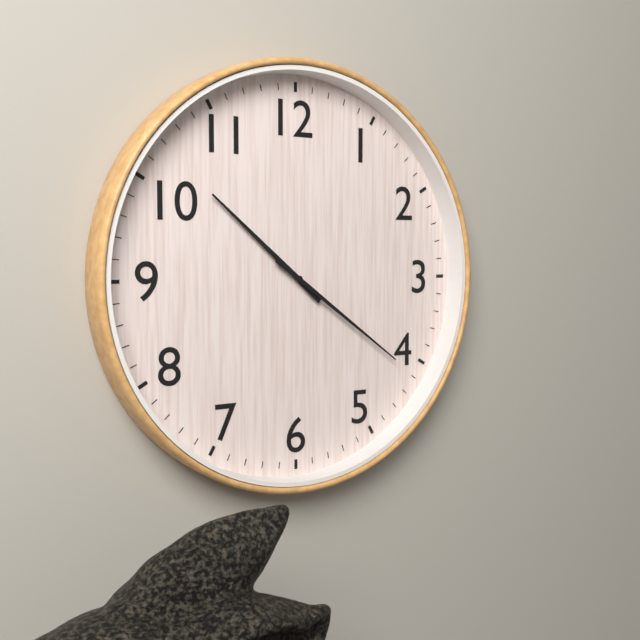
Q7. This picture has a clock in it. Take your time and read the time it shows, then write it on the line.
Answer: 10:21
